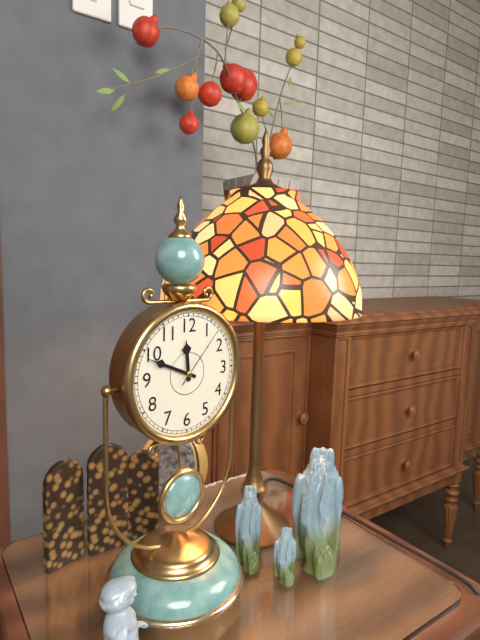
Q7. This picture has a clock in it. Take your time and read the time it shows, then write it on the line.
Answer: 11:49:07
